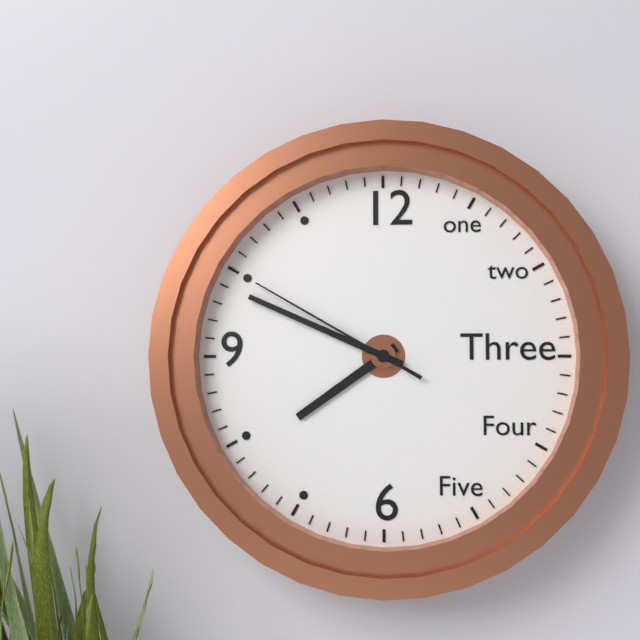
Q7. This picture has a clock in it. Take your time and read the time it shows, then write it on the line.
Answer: 7:49:50
